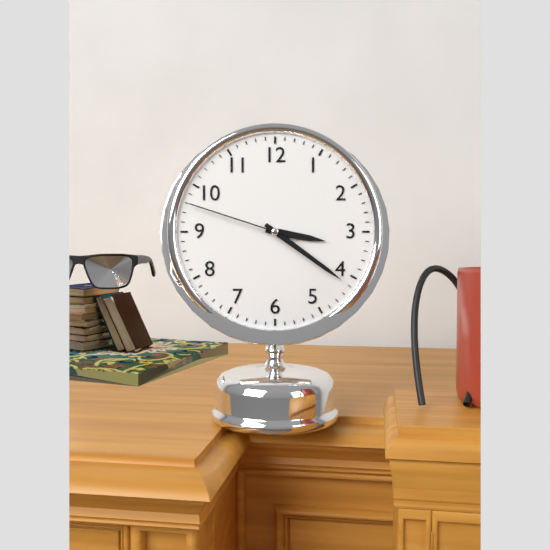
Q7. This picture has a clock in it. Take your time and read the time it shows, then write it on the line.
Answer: 3:21:48
